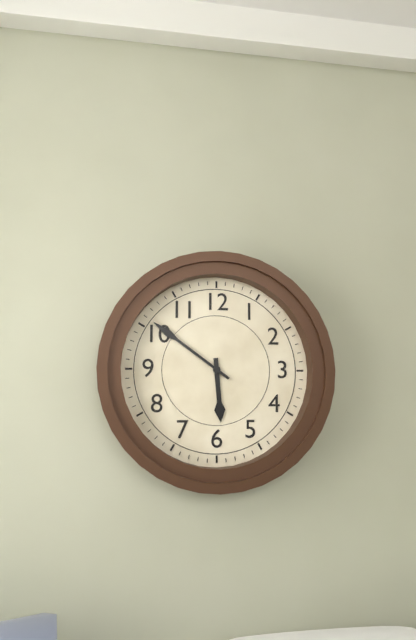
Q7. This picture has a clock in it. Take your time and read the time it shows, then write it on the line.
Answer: 5:51
